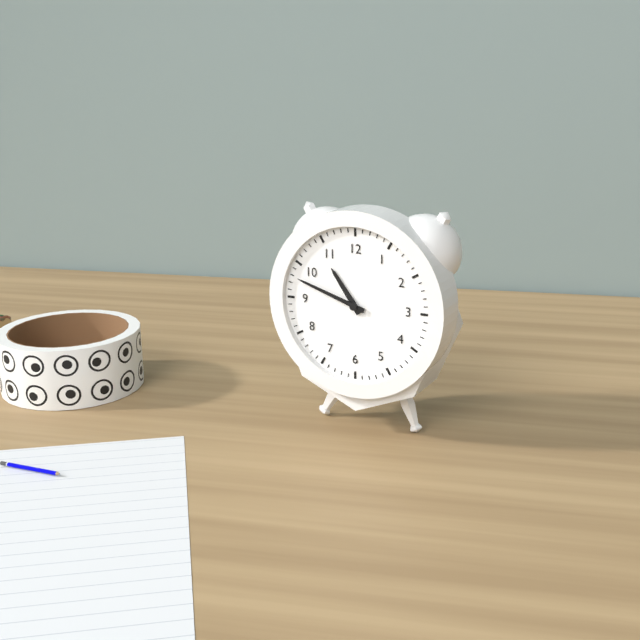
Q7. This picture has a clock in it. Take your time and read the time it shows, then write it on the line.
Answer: 10:48
